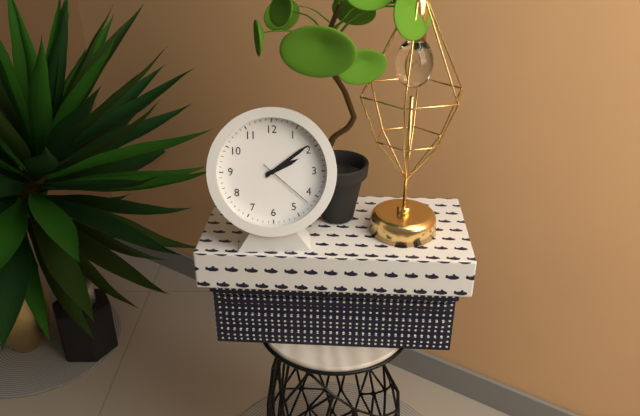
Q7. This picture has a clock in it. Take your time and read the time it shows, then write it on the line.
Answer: 2:09:22
